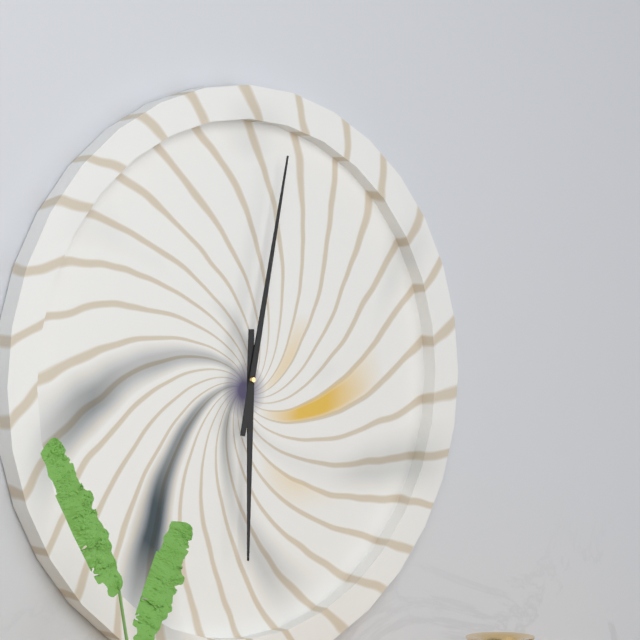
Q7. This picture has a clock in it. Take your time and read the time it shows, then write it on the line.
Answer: 6:02
